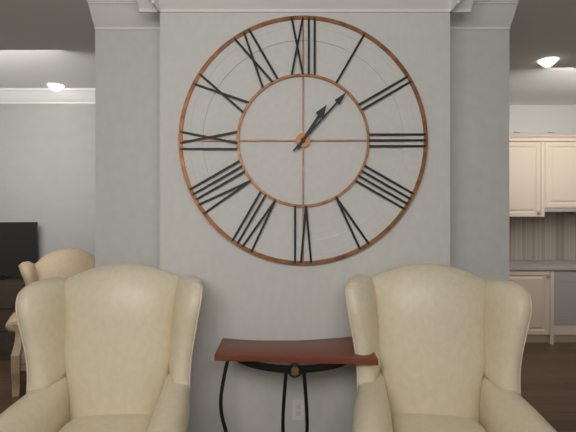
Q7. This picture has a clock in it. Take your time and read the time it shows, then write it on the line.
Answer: 1:07
